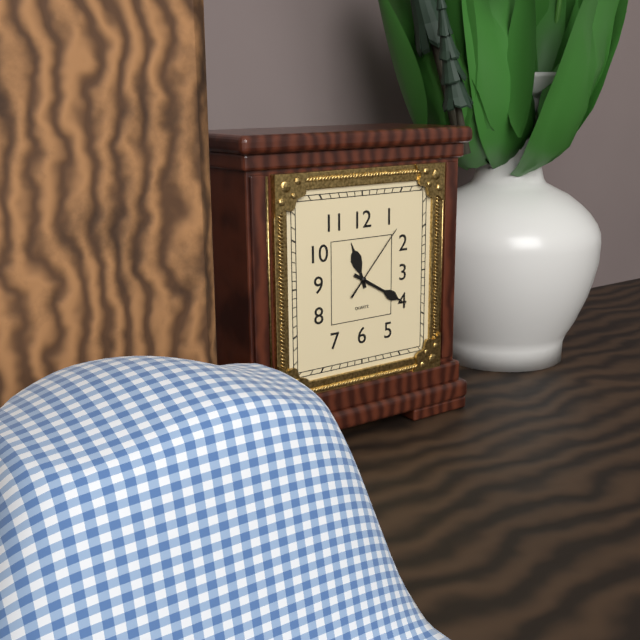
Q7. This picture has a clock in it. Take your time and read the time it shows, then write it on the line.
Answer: 11:20:07
